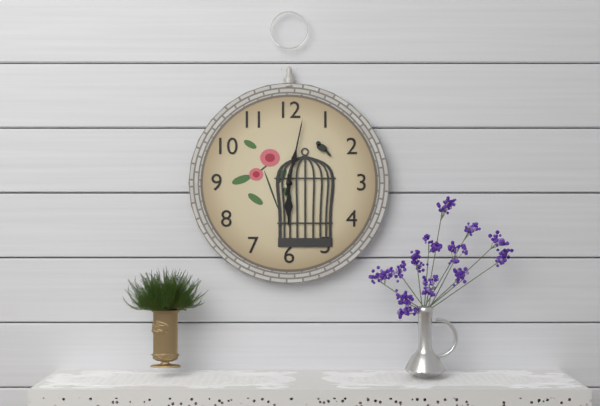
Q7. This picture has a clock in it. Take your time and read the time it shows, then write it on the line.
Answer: 6:02
